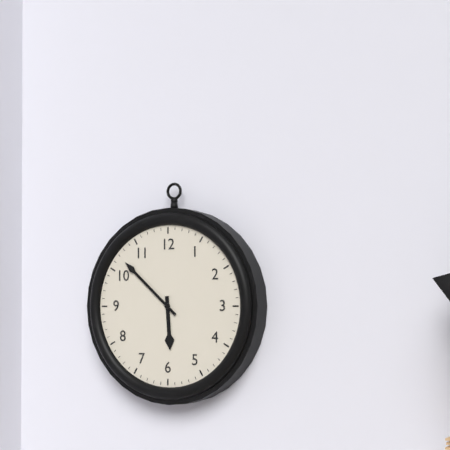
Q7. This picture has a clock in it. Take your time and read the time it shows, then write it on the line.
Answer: 5:52
